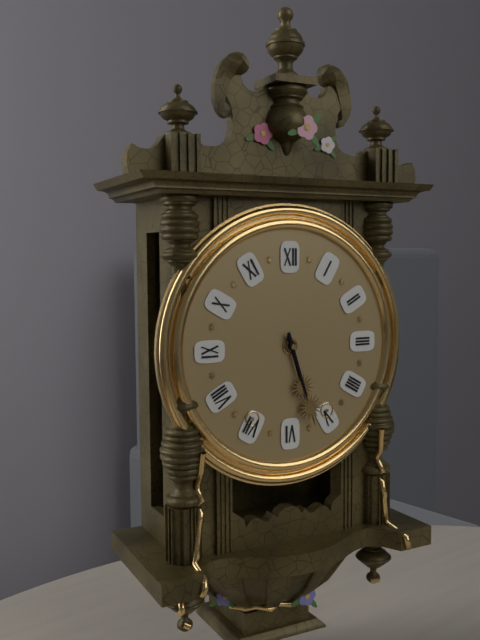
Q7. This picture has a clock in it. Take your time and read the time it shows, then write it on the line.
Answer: 5:27
